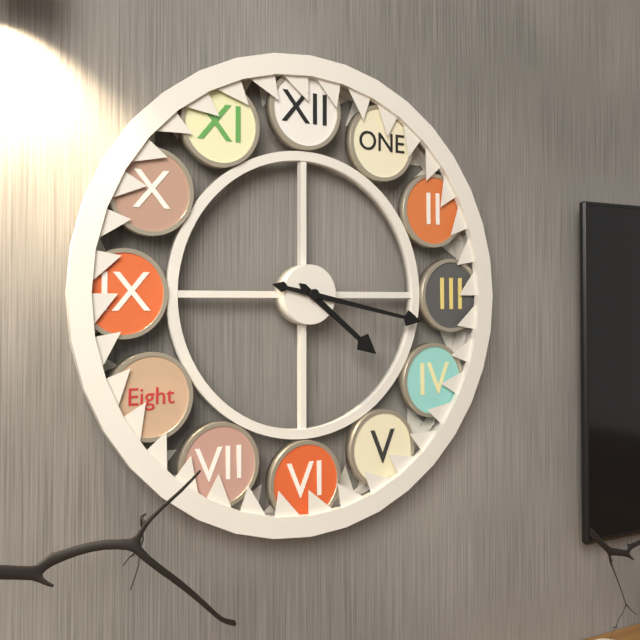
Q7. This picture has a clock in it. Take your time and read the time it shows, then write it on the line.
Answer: 4:17
